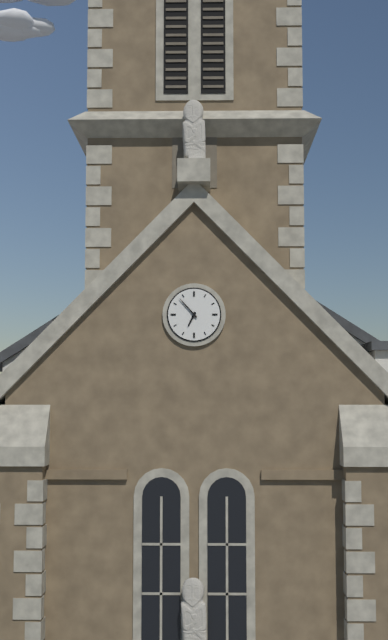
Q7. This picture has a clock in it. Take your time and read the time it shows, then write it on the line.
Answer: 6:53
